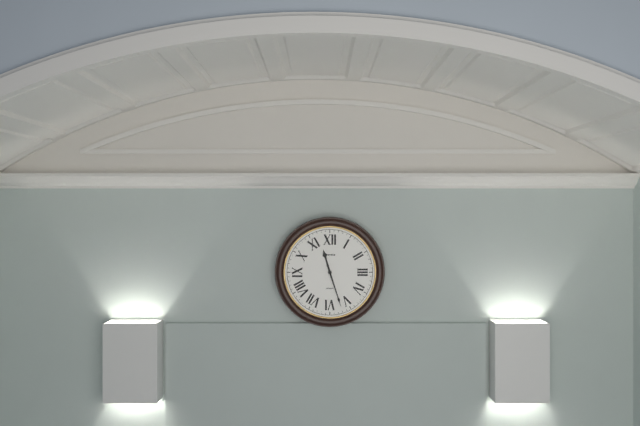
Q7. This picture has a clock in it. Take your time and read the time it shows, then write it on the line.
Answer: 11:27
